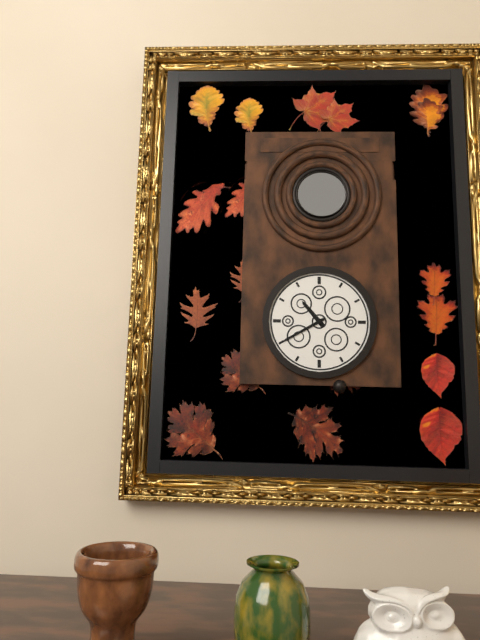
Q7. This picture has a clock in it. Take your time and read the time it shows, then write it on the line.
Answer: 10:40
